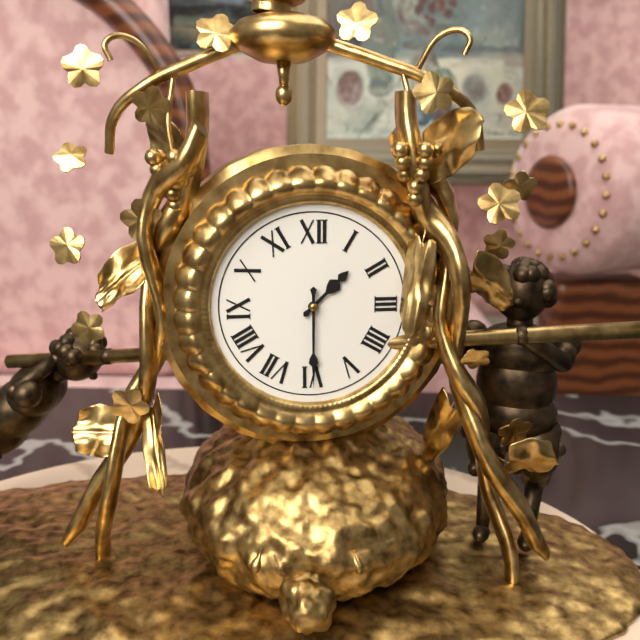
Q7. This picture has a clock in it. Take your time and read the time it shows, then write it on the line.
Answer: 1:30
